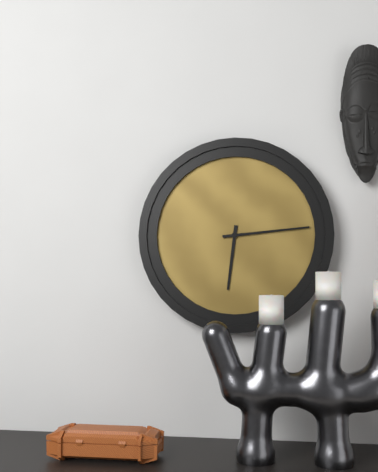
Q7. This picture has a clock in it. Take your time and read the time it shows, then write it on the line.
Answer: 6:14
